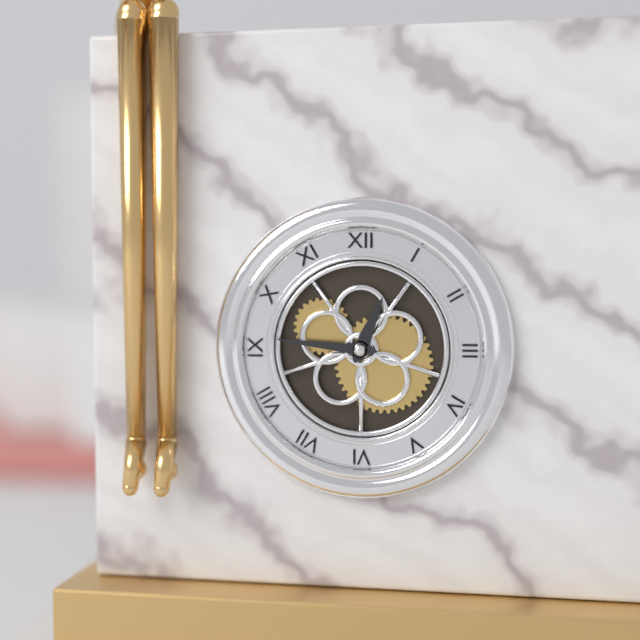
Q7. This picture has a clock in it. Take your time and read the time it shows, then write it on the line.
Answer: 12:46
